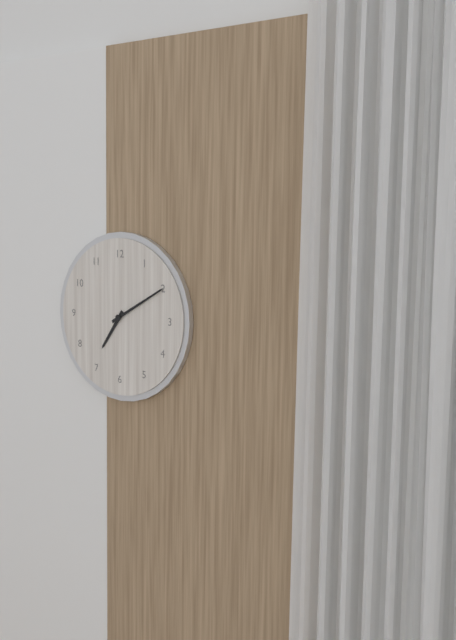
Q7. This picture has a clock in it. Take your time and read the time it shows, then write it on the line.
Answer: 7:10
